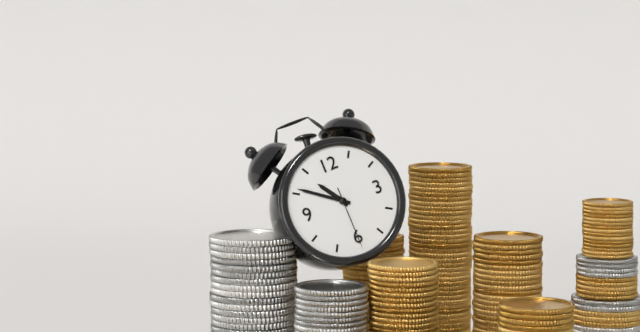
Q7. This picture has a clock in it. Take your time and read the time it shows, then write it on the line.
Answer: 10:51:30
